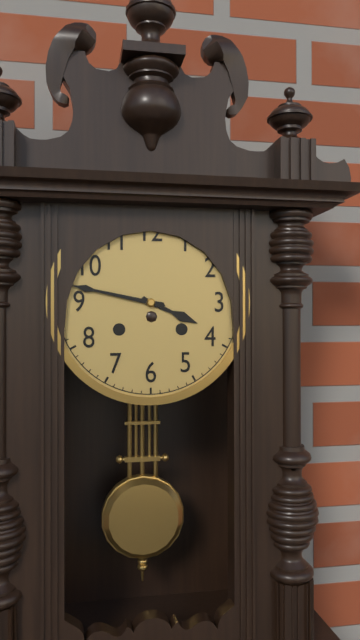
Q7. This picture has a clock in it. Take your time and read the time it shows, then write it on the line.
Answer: 3:47
